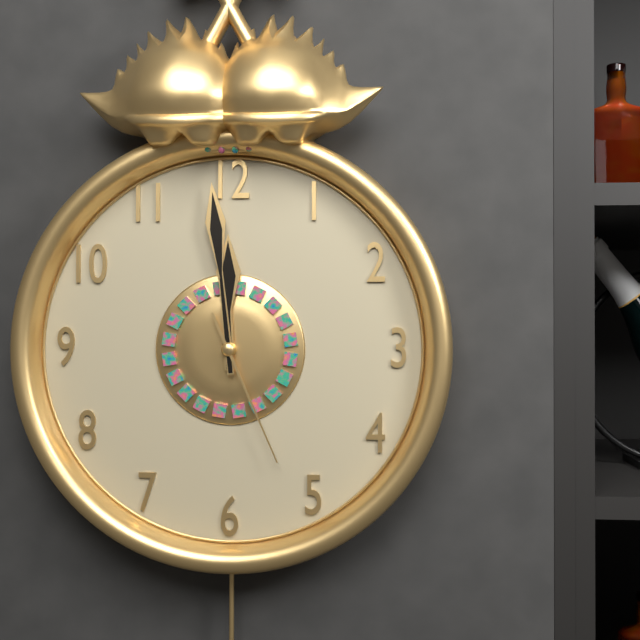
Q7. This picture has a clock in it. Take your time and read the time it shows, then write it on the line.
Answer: 11:59:26
